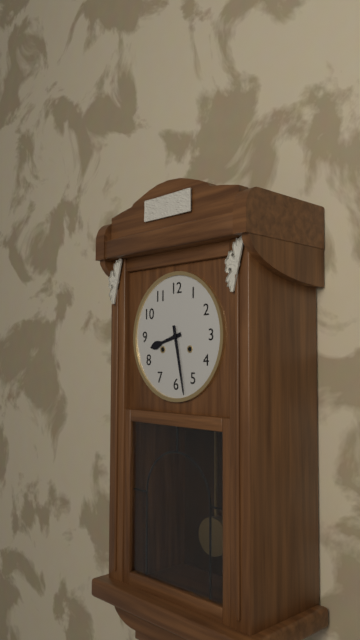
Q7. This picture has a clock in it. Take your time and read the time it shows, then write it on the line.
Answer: 8:28
